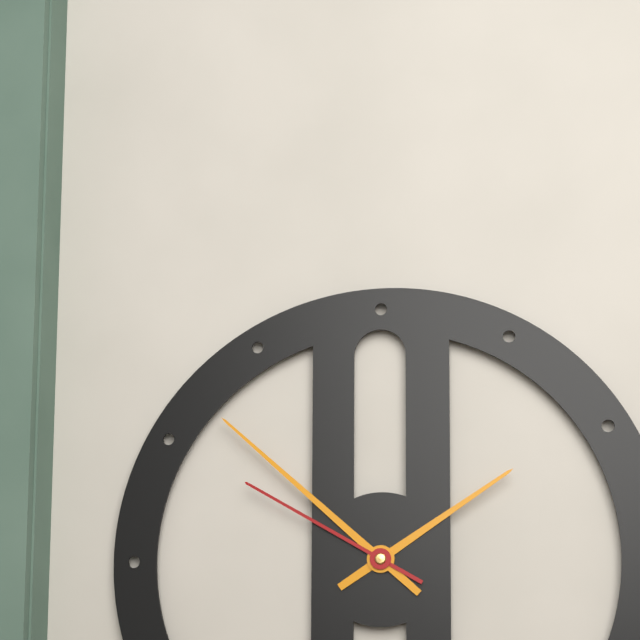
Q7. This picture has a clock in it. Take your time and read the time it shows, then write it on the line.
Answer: 1:52:50
